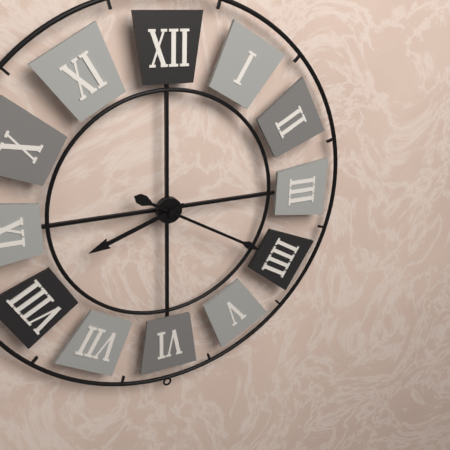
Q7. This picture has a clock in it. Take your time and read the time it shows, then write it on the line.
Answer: 8:20
